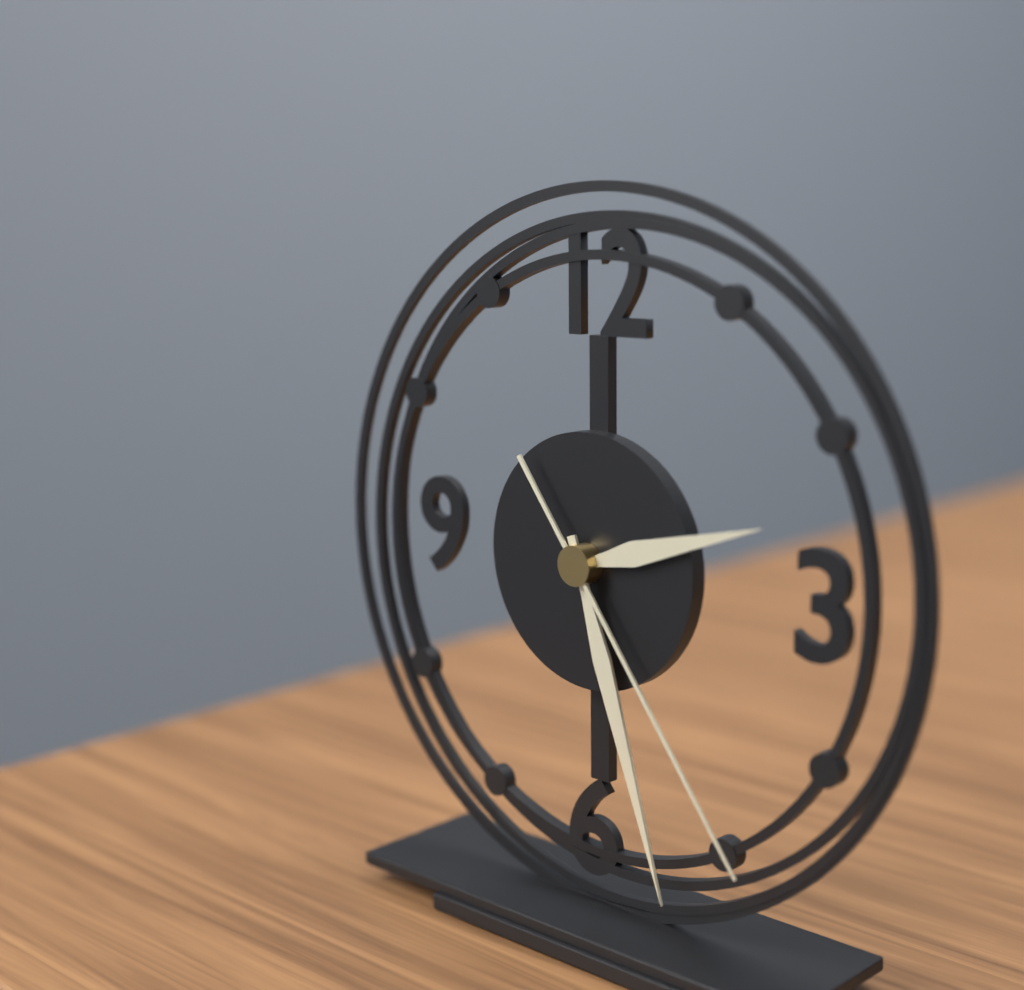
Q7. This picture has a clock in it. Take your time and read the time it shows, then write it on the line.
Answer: 2:27:24
